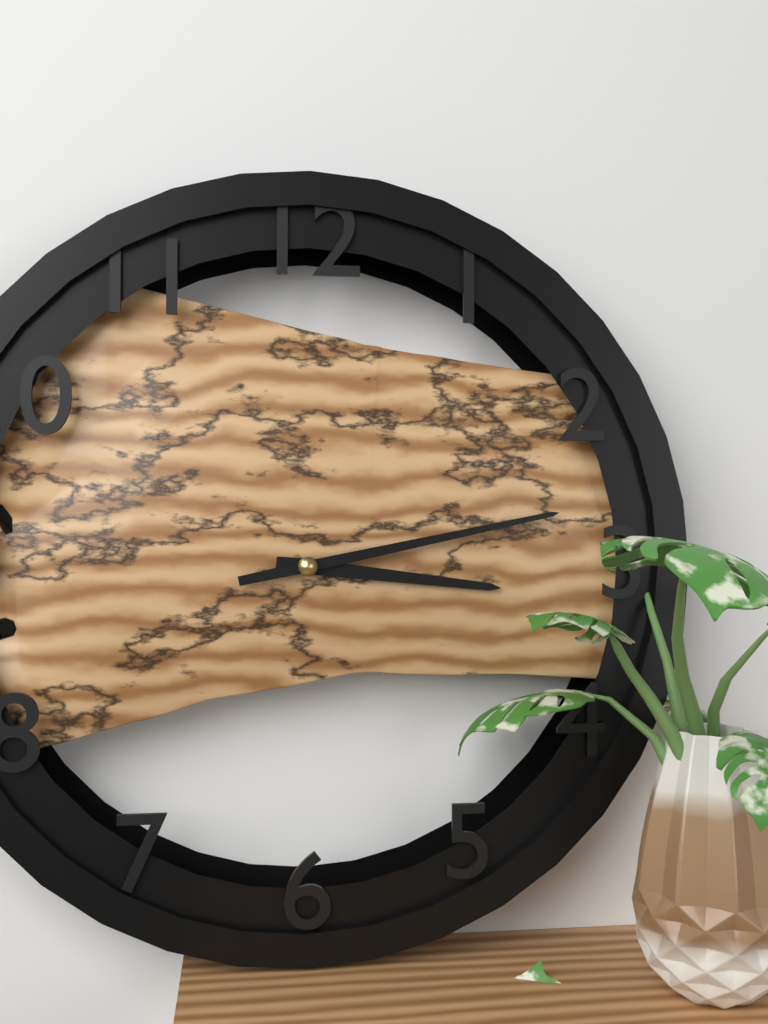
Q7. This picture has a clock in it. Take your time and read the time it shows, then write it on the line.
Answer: 3:13
